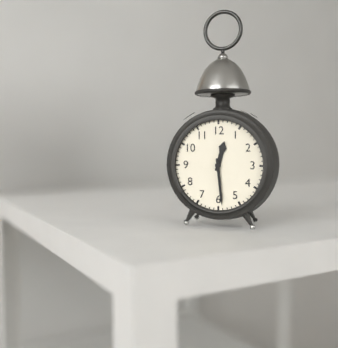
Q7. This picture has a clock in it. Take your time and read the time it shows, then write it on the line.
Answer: 12:29
